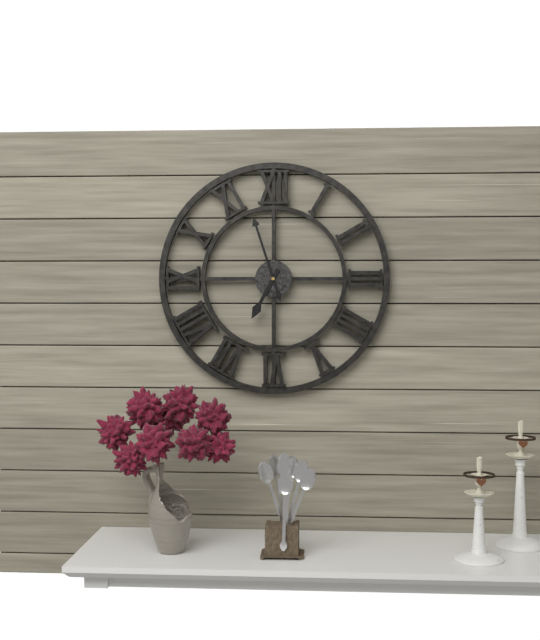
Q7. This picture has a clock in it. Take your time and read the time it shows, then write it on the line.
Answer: 6:57
